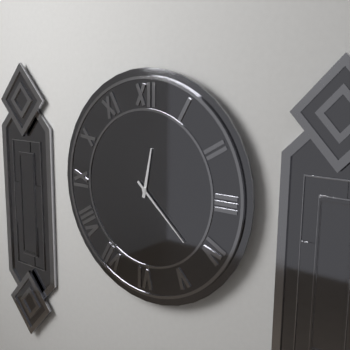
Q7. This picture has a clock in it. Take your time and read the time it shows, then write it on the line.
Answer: 12:22
